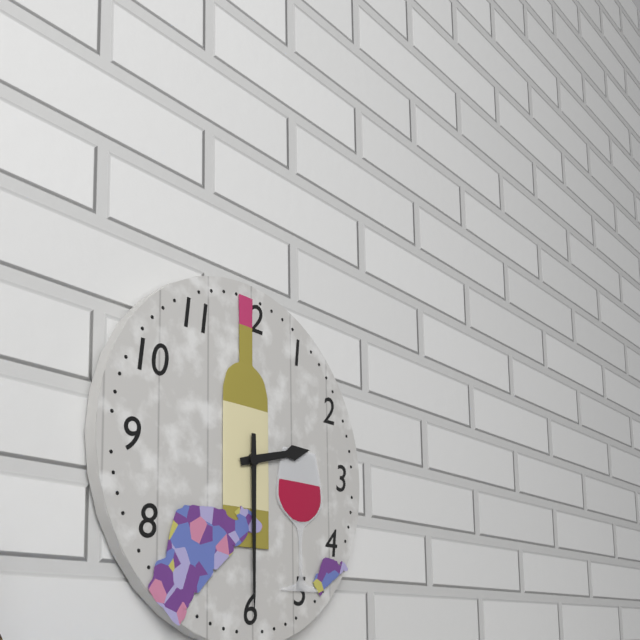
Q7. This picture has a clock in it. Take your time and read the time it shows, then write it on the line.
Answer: 2:30
